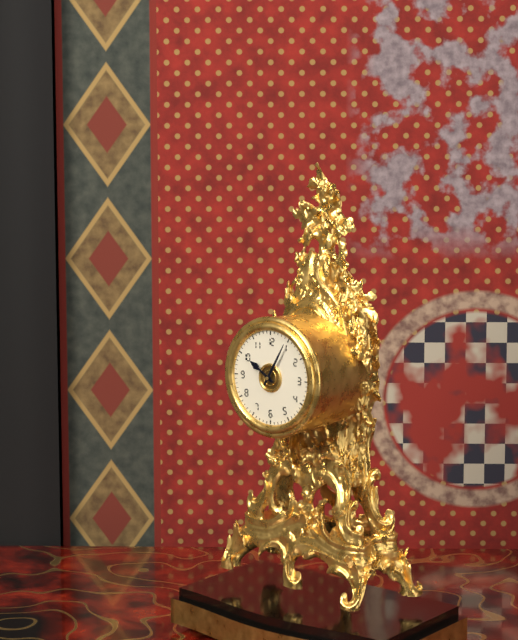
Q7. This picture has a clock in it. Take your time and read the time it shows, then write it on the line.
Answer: 10:05
